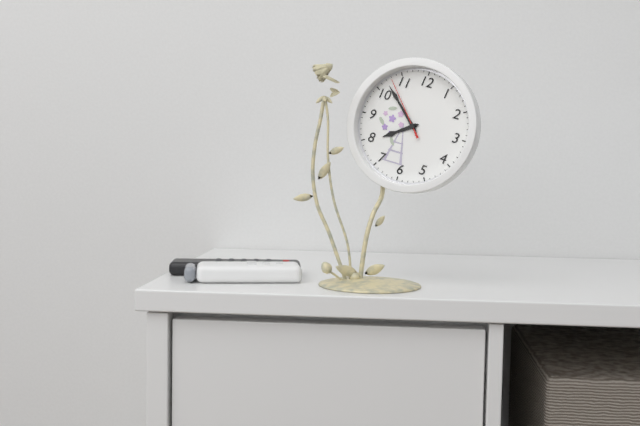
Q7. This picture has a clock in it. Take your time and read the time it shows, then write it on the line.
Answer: 7:52:53
